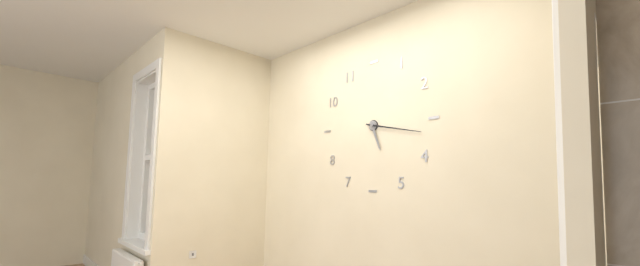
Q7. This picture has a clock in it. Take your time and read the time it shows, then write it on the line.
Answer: 5:17
